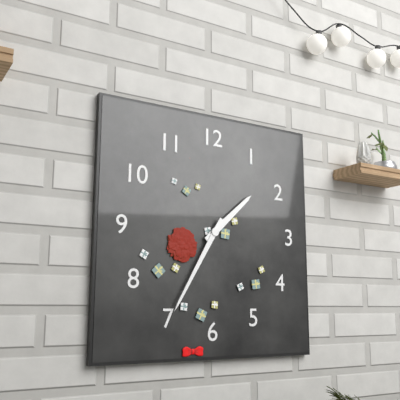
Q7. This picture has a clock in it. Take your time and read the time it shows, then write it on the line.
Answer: 1:35
